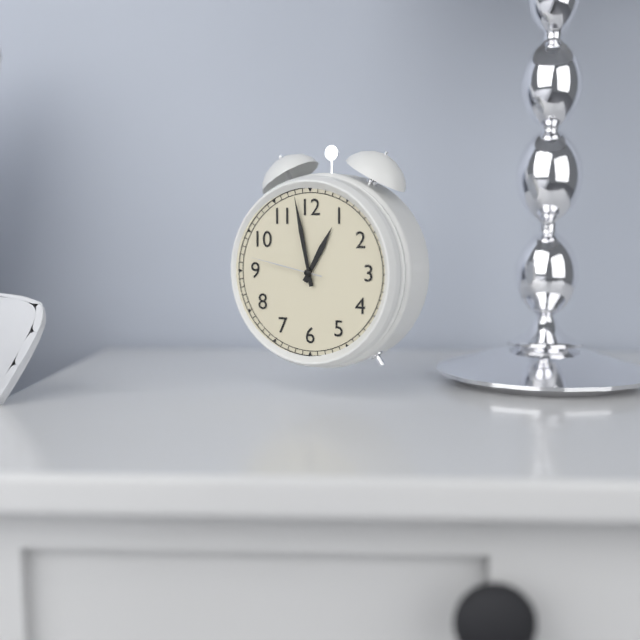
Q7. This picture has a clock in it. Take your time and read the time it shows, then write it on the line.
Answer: 12:58:47
